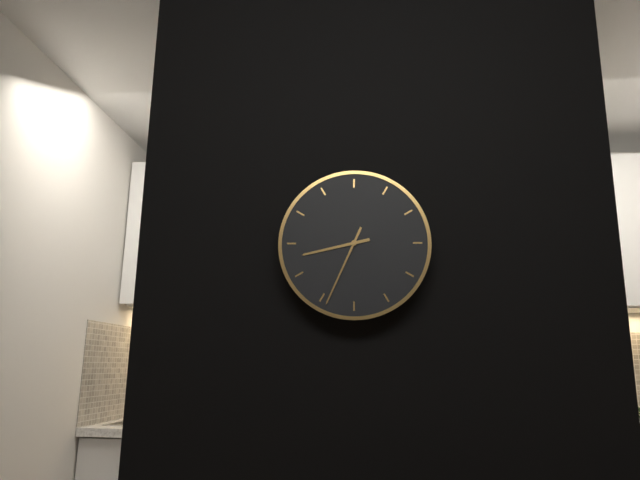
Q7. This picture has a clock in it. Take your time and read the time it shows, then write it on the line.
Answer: 8:34
